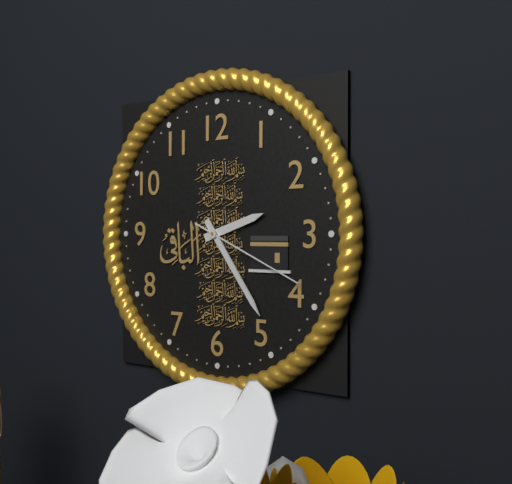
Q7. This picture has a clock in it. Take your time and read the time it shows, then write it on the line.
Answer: 2:24:19
